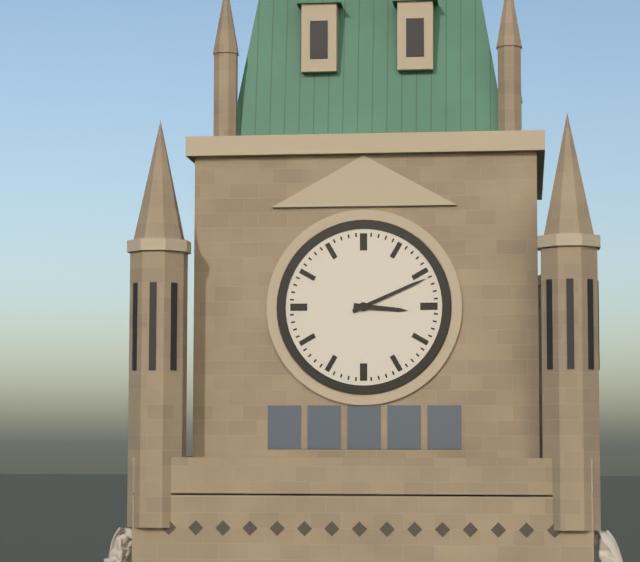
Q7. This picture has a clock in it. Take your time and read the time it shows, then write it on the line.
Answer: 3:11
